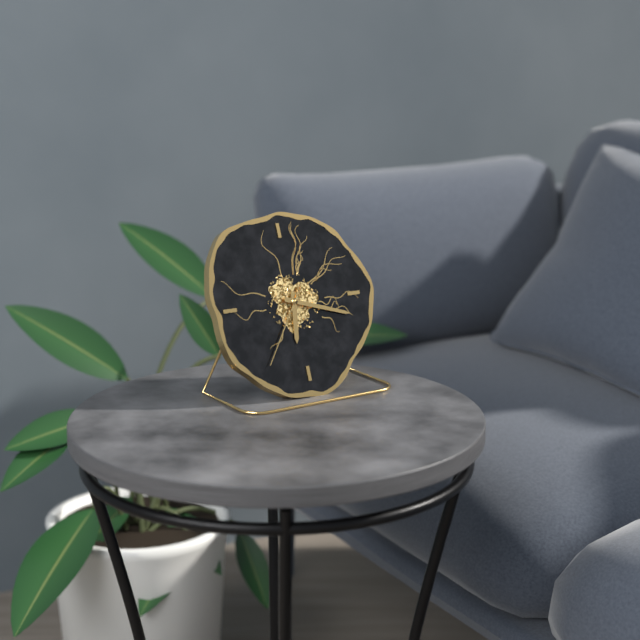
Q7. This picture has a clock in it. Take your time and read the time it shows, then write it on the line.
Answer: 6:18:36
